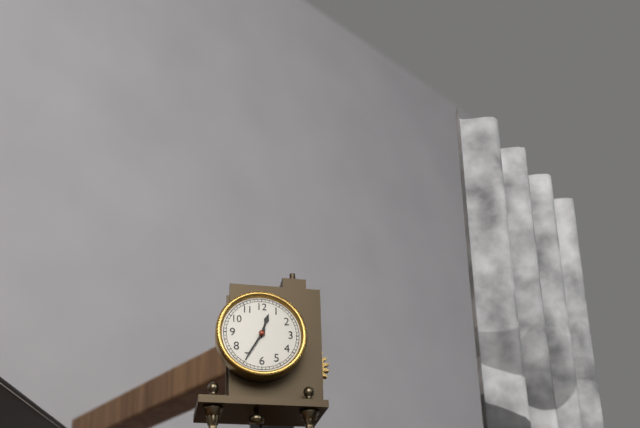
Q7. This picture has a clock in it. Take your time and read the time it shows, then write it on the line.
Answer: 12:35
